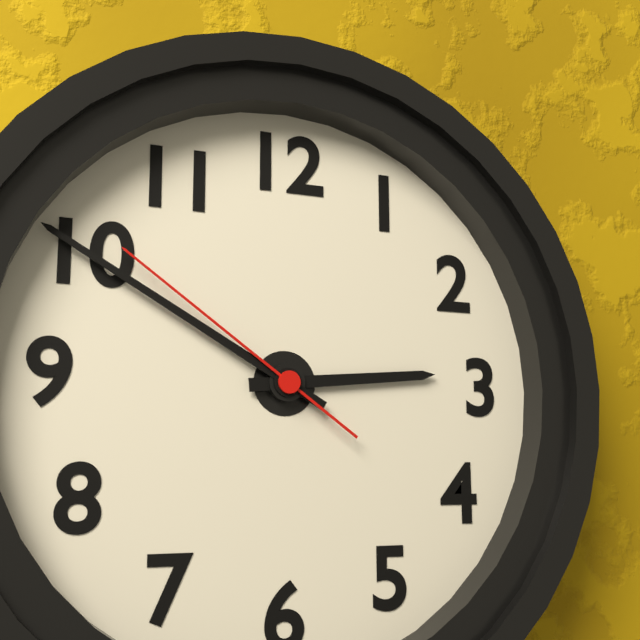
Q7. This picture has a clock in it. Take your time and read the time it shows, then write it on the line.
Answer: 2:50:51
